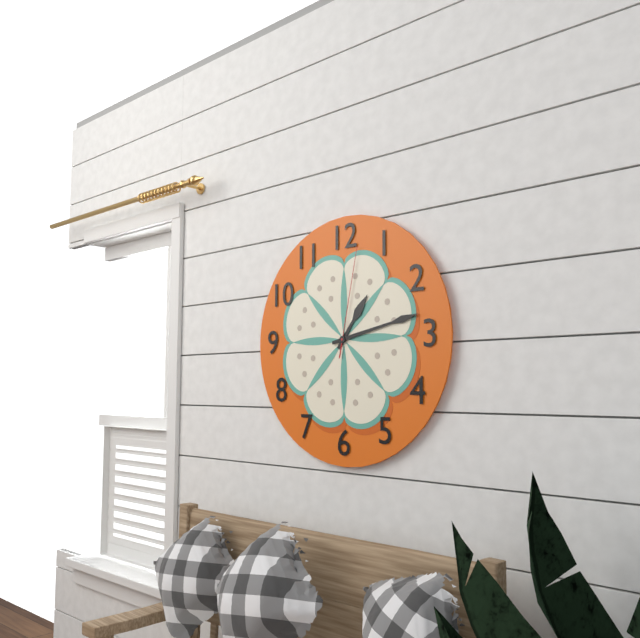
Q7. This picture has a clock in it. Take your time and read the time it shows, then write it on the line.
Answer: 1:13:02
